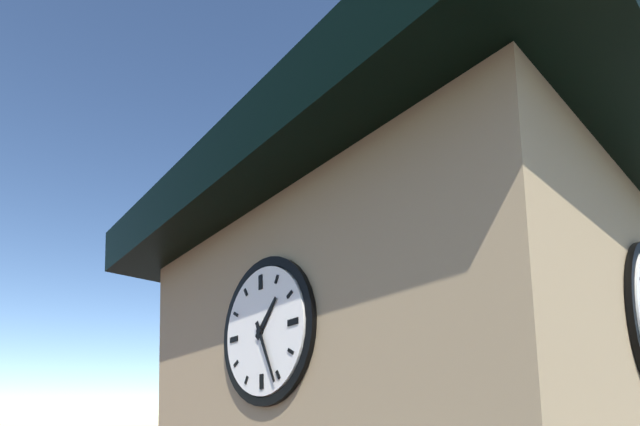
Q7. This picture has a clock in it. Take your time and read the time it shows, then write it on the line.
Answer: 1:26
